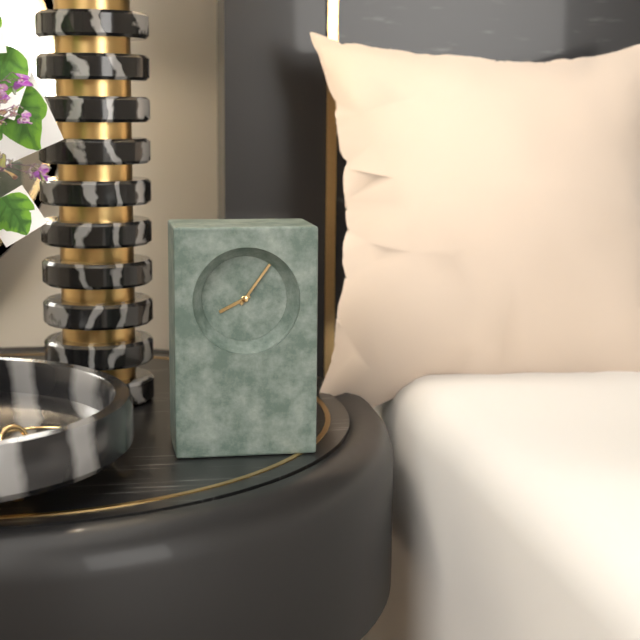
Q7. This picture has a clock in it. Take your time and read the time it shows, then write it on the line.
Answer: 8:06
